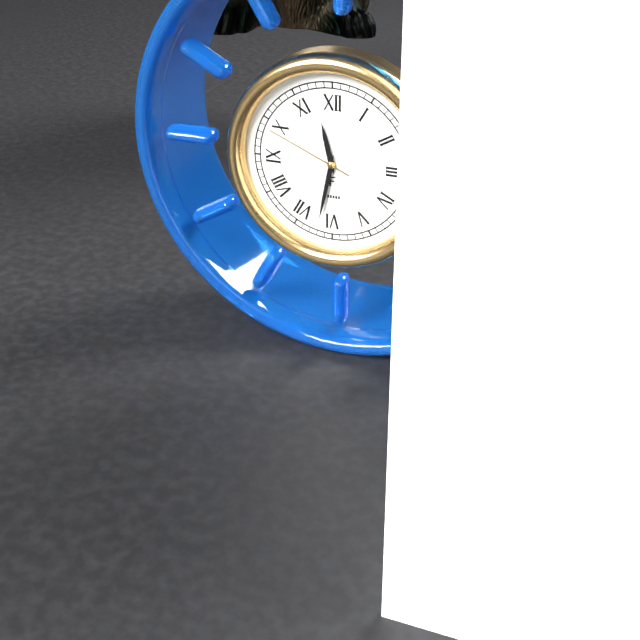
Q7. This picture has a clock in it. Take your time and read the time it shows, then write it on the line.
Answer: 11:32:49
